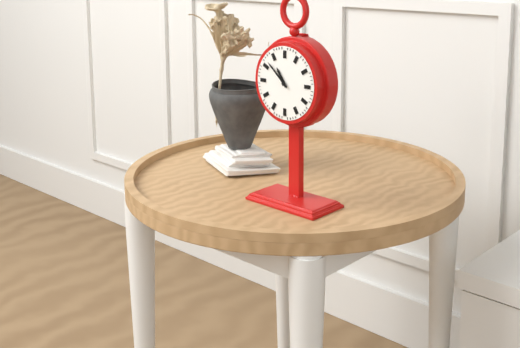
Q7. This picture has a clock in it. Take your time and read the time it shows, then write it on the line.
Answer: 10:52
